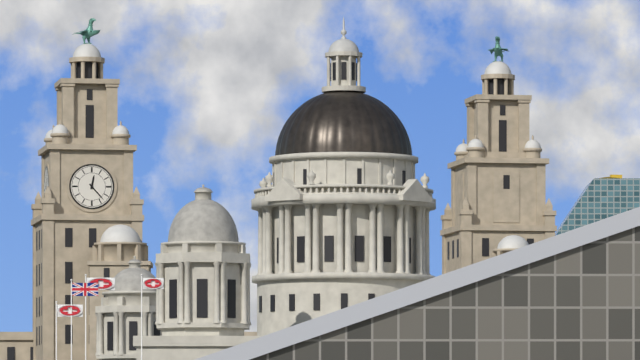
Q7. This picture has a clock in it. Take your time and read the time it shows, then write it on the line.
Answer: 12:23
